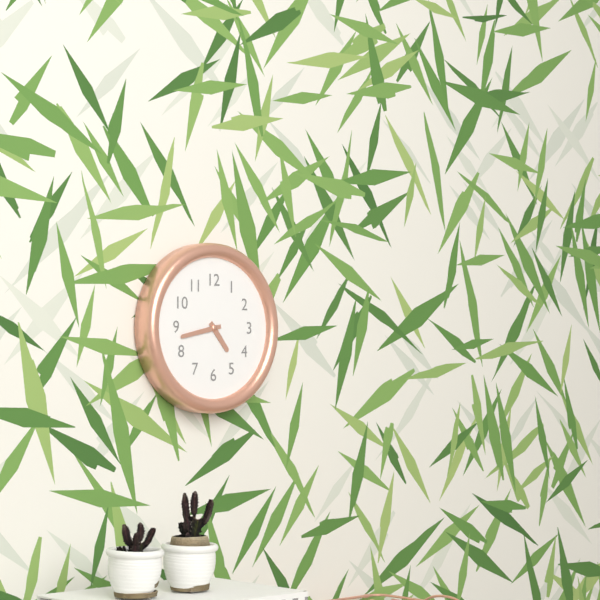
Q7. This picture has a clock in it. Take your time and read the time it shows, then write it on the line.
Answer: 4:43
